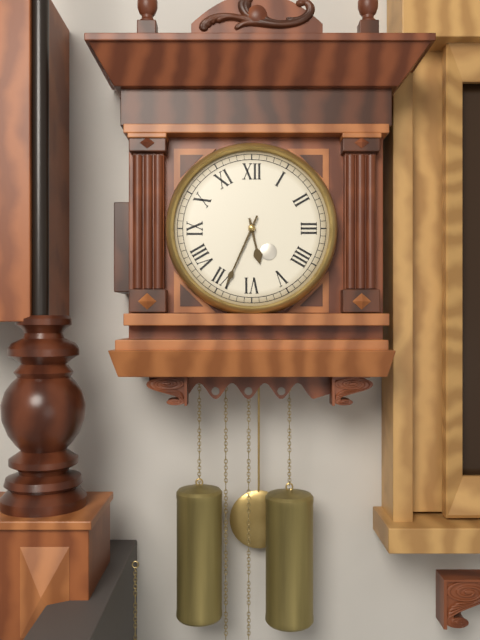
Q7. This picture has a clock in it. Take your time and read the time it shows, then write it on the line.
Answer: 5:34
